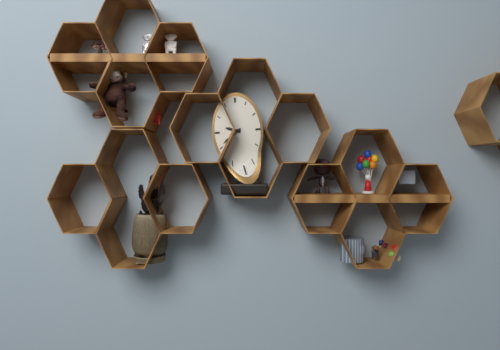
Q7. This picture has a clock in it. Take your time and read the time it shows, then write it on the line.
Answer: 9:39
